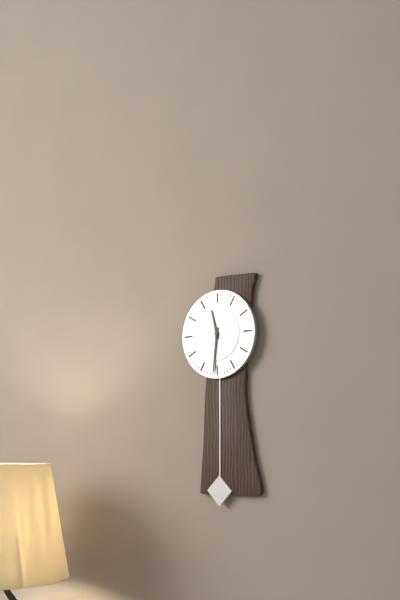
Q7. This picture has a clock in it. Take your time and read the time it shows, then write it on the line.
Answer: 11:31
